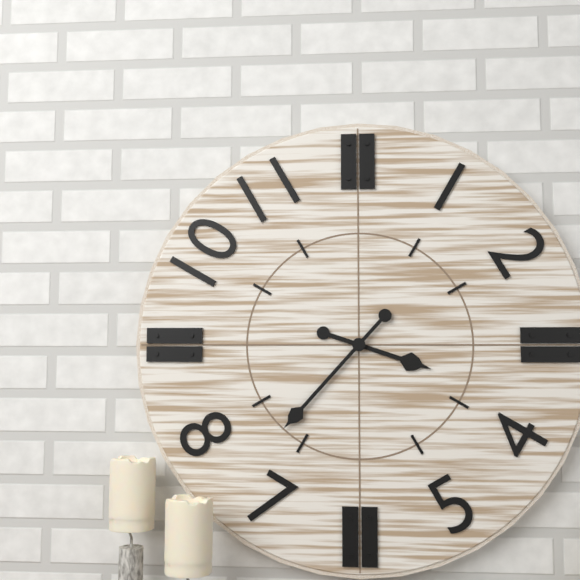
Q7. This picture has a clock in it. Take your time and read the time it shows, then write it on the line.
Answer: 3:37
